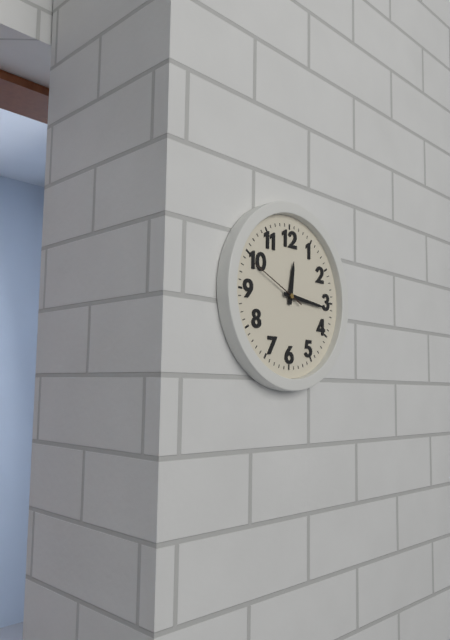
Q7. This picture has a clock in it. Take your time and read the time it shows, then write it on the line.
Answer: 12:16:49
